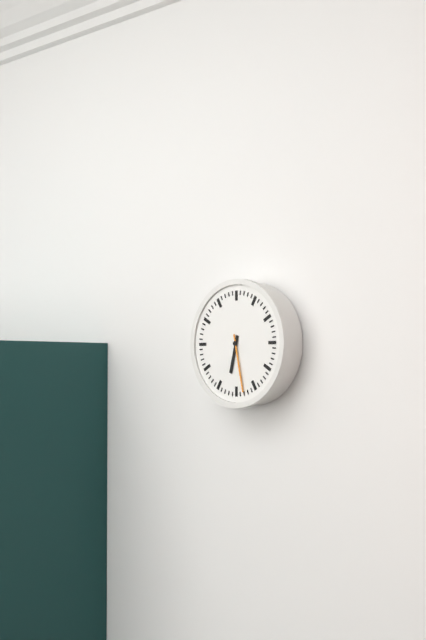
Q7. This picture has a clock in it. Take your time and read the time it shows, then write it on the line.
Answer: 6:28
